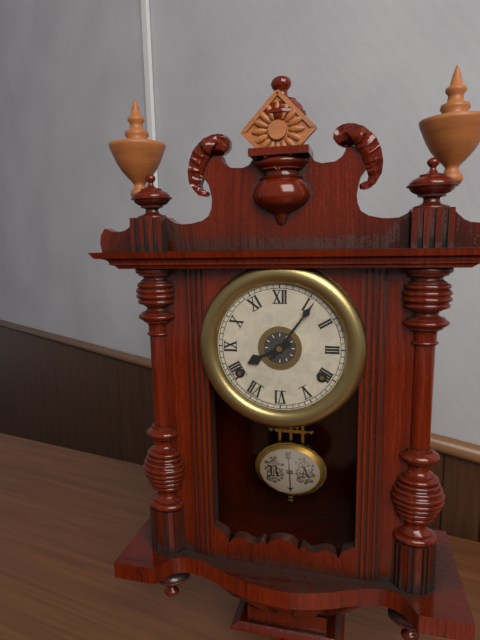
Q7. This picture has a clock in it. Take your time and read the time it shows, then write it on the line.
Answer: 8:06
